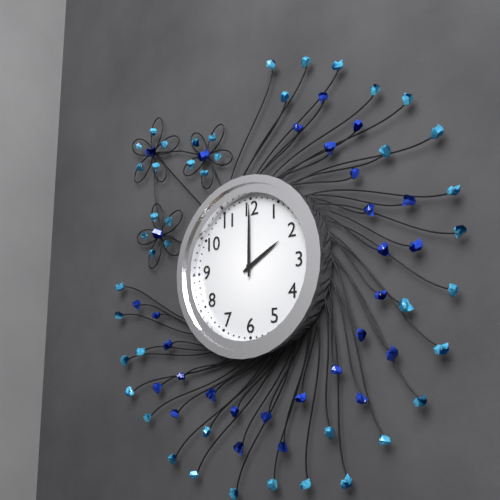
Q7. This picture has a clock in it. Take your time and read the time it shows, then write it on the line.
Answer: 2:00
